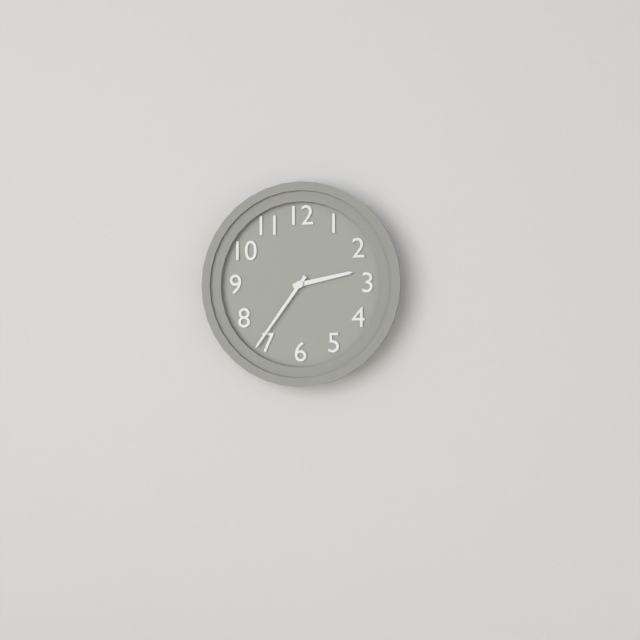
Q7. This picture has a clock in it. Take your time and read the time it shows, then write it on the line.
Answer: 2:36
